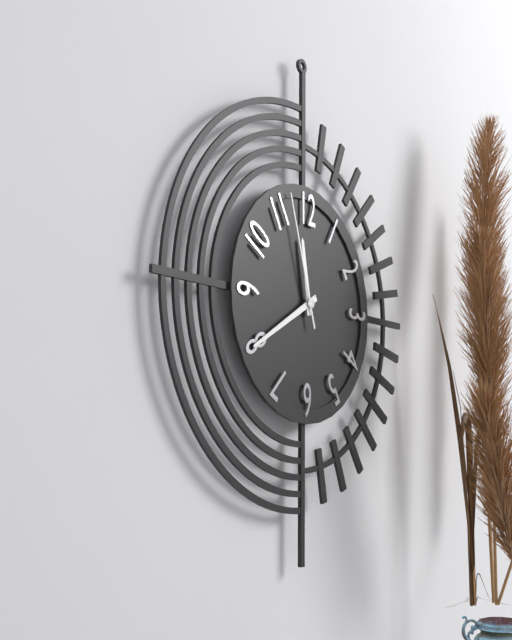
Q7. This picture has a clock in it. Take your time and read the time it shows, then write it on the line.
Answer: 11:40:57
